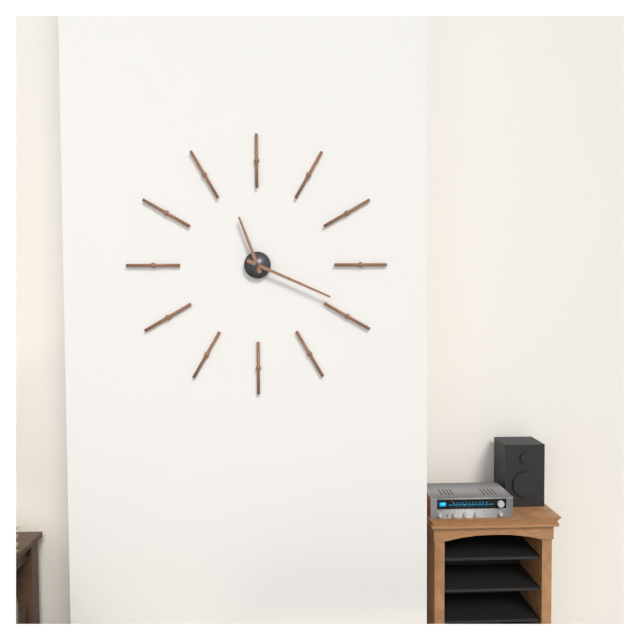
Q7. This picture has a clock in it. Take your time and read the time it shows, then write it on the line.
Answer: 11:19
